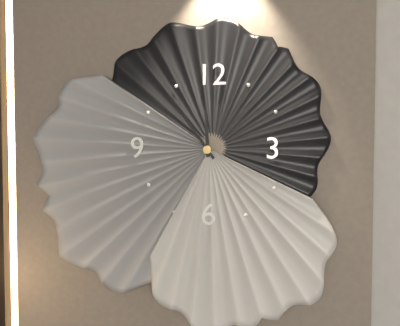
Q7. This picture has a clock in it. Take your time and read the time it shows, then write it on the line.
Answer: 11:54
